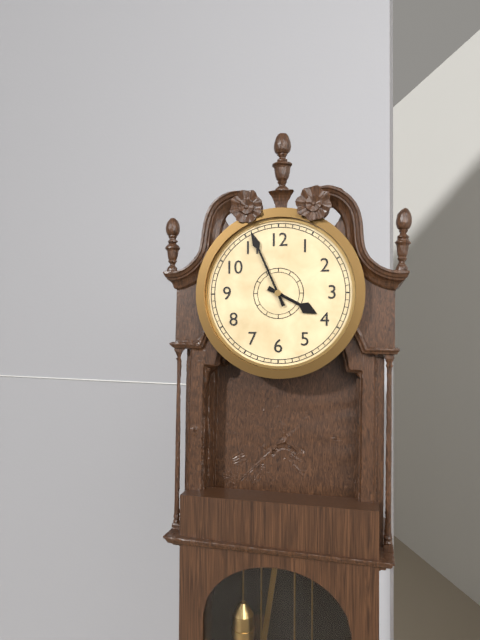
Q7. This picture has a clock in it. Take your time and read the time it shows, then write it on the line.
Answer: 3:56
